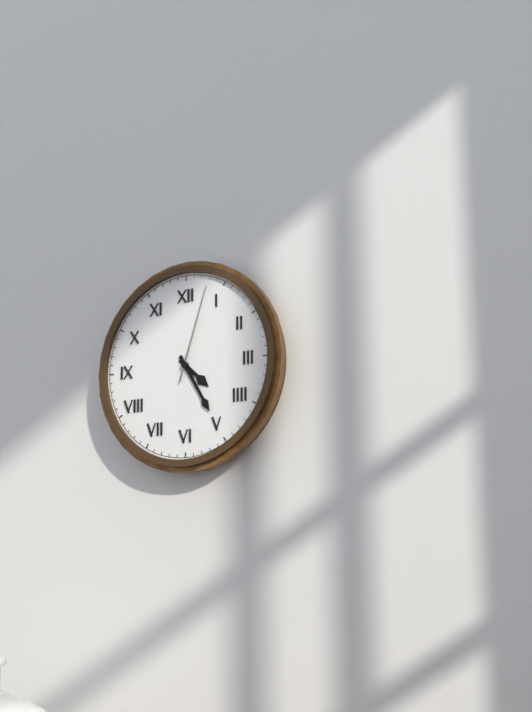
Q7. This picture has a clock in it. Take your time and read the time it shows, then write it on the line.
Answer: 4:25:03
